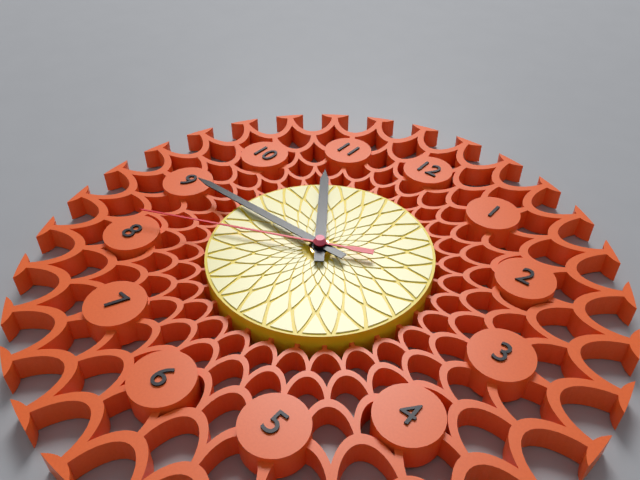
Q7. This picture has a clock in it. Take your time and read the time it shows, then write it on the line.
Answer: 10:45:41
